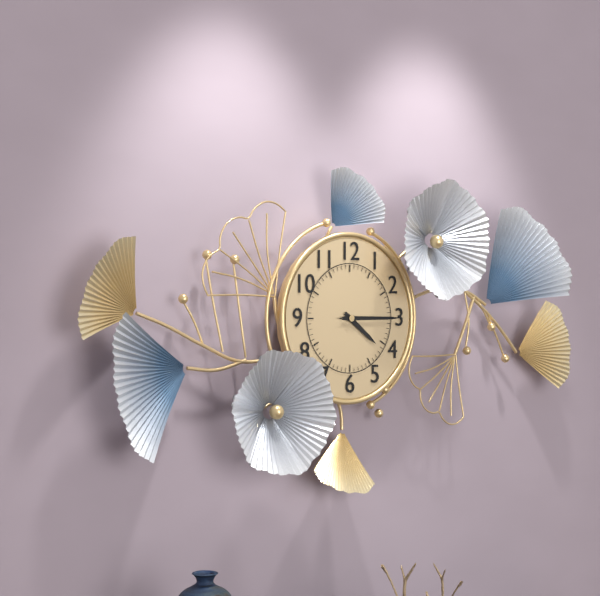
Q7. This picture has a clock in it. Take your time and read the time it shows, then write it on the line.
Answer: 4:15:15
